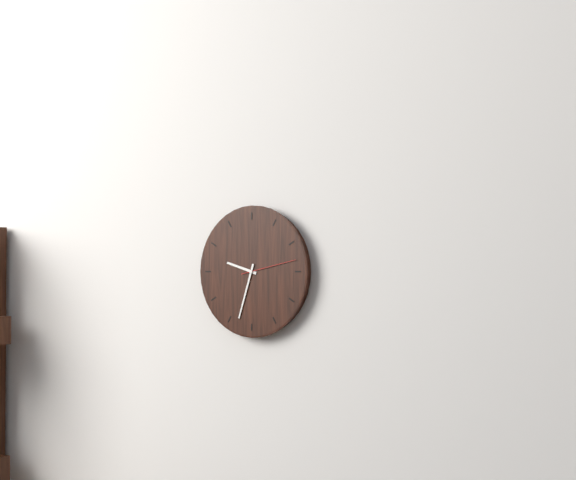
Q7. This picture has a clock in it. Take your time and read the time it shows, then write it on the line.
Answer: 9:33:13
